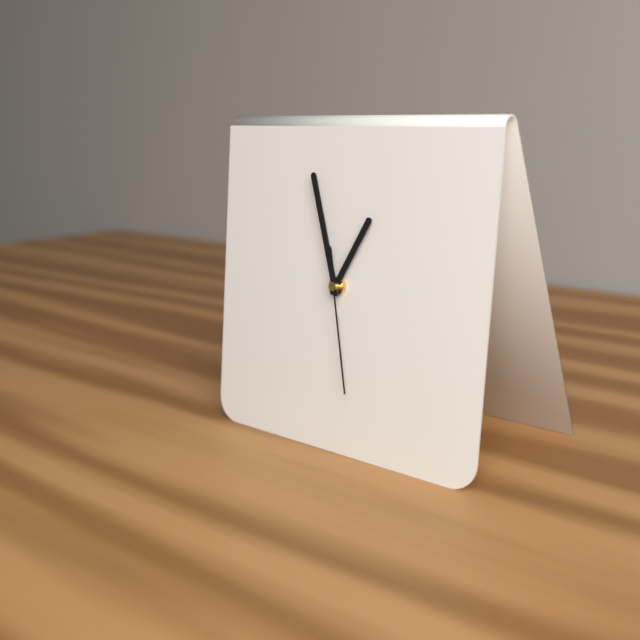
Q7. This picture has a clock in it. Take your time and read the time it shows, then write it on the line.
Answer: 12:57:28
